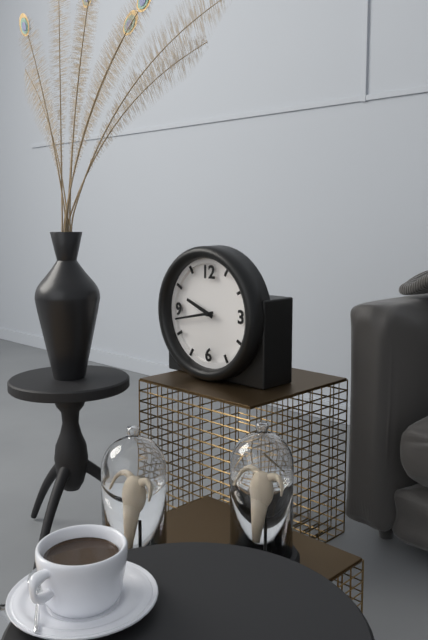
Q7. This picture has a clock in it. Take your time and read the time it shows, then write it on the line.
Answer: 9:43
